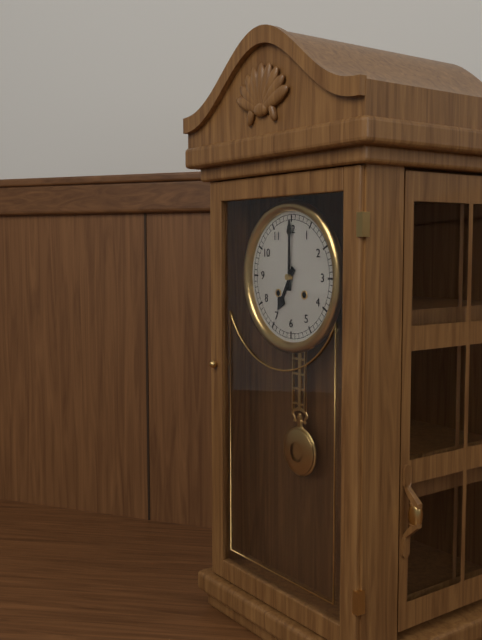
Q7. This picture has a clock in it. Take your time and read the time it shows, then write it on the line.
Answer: 7:00
